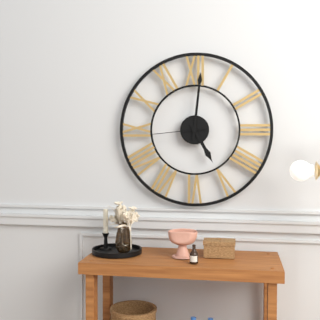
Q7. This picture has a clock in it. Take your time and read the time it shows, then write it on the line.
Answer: 5:01:44
